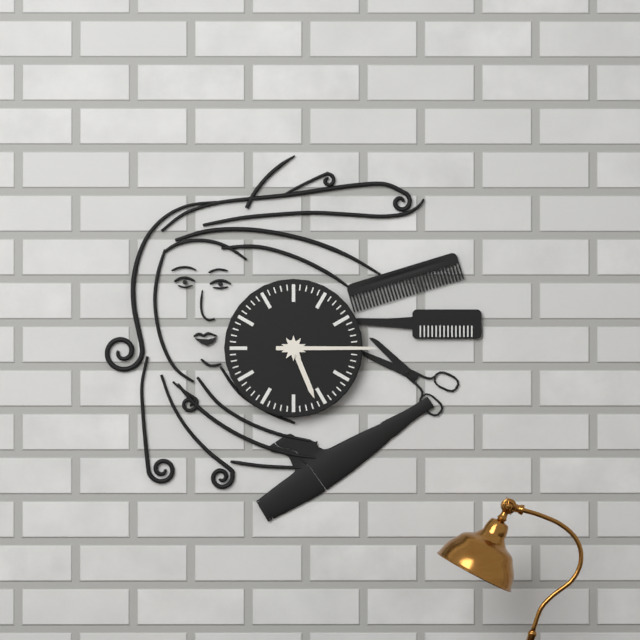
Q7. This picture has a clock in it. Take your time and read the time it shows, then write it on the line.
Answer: 5:15
